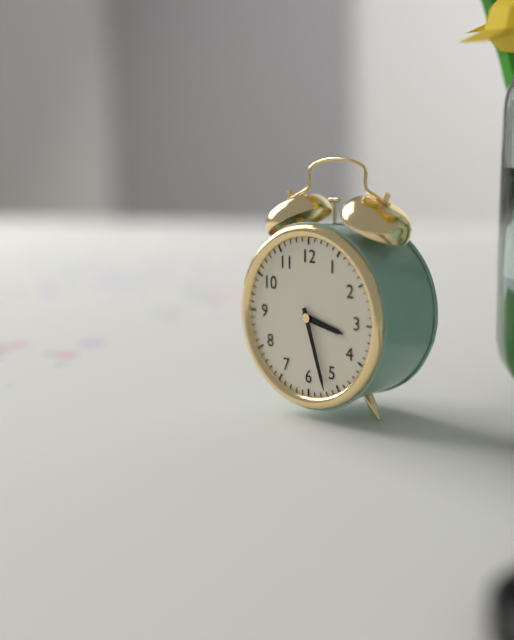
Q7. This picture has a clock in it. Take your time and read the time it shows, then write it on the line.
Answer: 3:27
